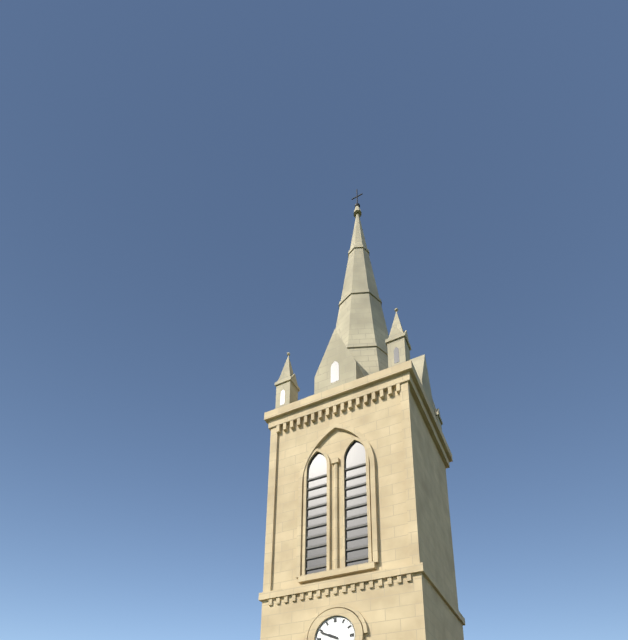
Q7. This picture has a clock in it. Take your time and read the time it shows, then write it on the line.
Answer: 9:49
